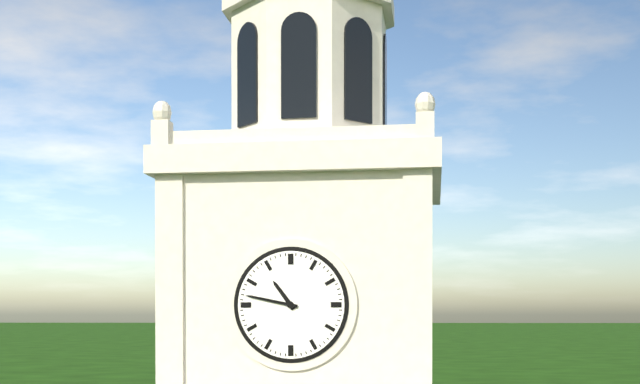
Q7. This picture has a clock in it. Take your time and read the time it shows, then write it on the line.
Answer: 10:47
